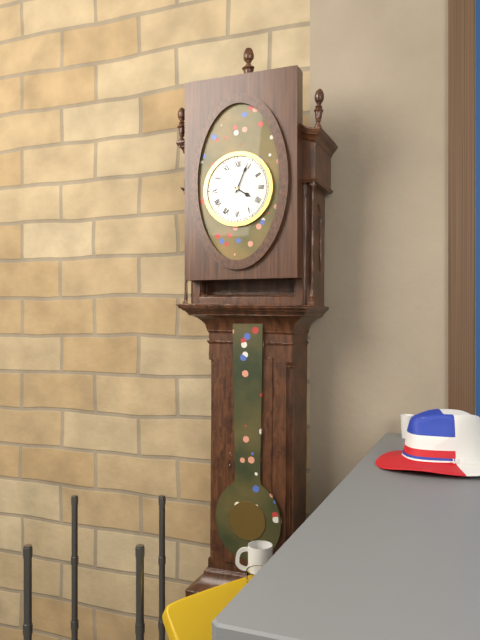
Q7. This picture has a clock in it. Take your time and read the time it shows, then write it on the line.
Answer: 4:04
